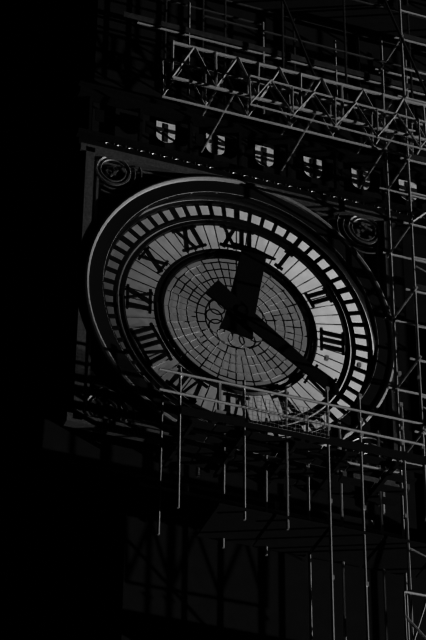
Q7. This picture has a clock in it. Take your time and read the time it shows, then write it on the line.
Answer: 12:21
